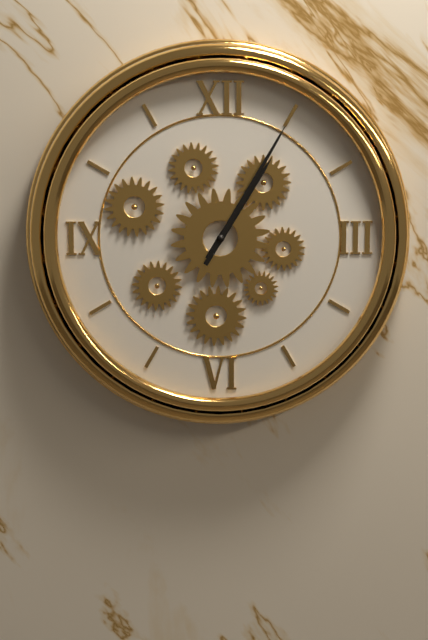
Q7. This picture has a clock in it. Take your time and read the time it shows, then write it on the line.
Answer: 1:05
